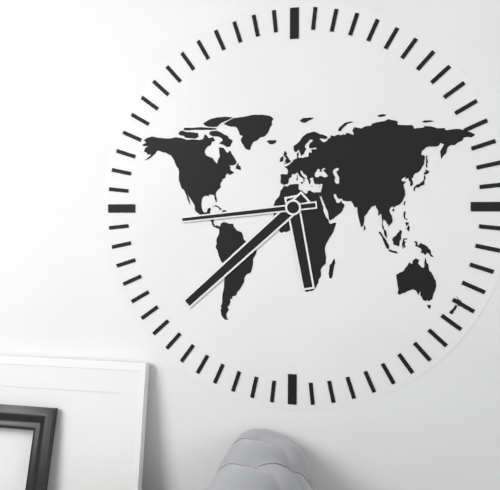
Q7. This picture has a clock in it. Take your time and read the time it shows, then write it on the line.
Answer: 5:38:44
